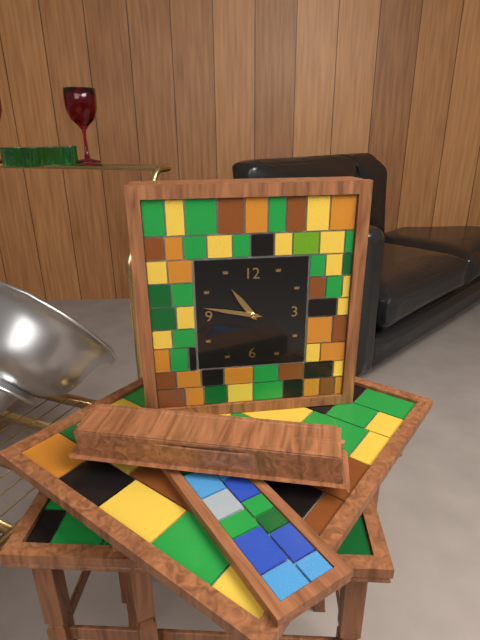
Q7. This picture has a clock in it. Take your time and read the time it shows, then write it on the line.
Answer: 10:47
